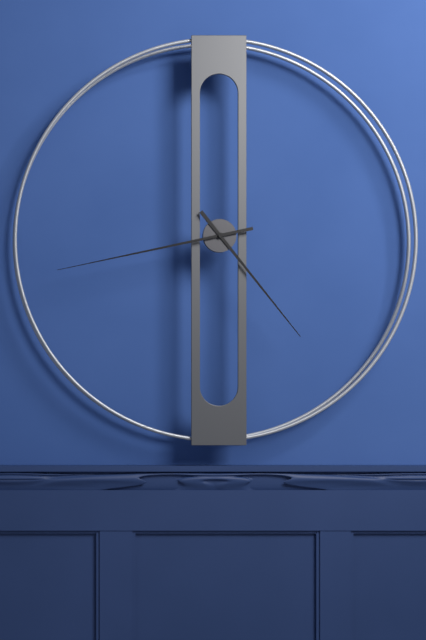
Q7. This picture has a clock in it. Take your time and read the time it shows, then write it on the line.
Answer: 4:43
